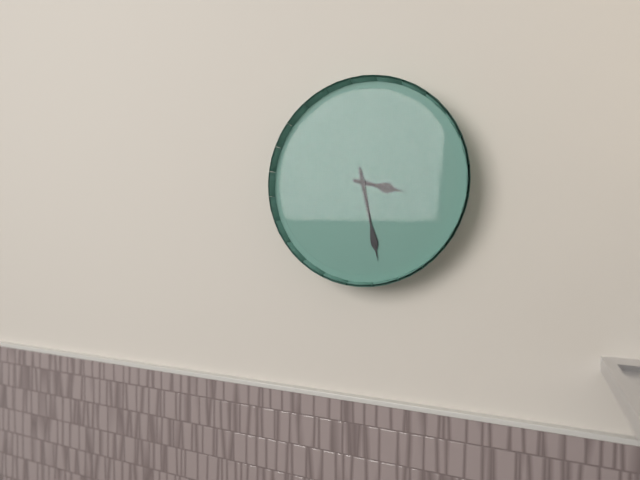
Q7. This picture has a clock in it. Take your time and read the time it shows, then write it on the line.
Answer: 3:28
